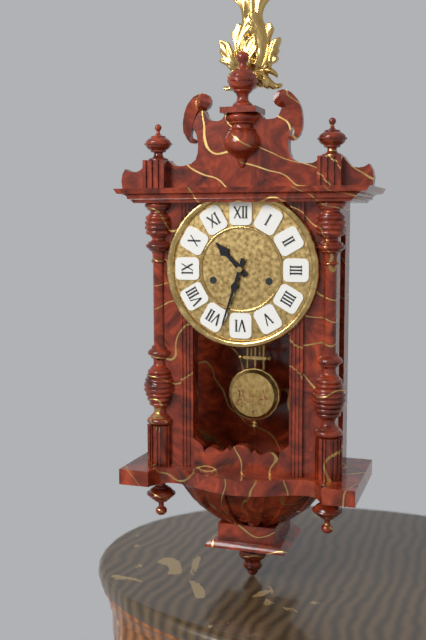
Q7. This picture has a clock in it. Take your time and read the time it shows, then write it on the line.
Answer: 10:33
